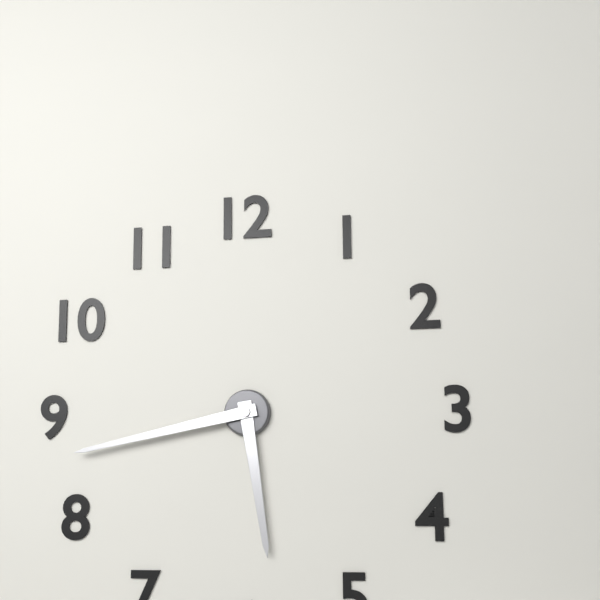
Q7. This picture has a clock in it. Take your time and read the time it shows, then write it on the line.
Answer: 5:43
